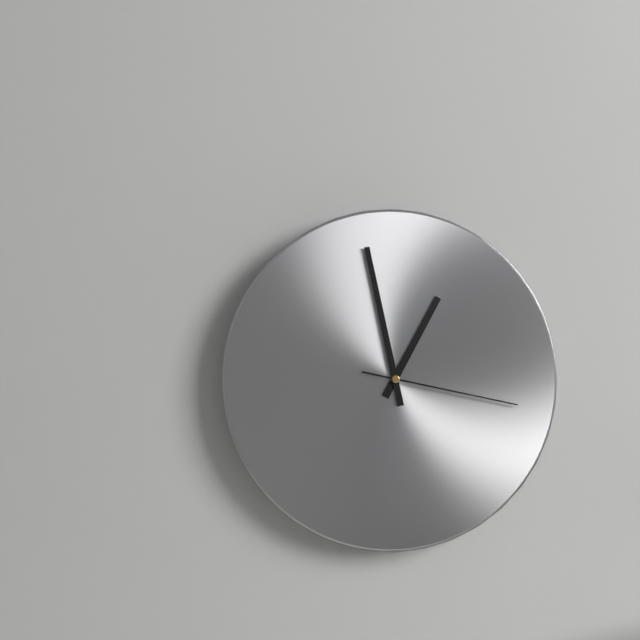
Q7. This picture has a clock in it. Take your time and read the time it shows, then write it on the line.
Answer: 12:58:17
